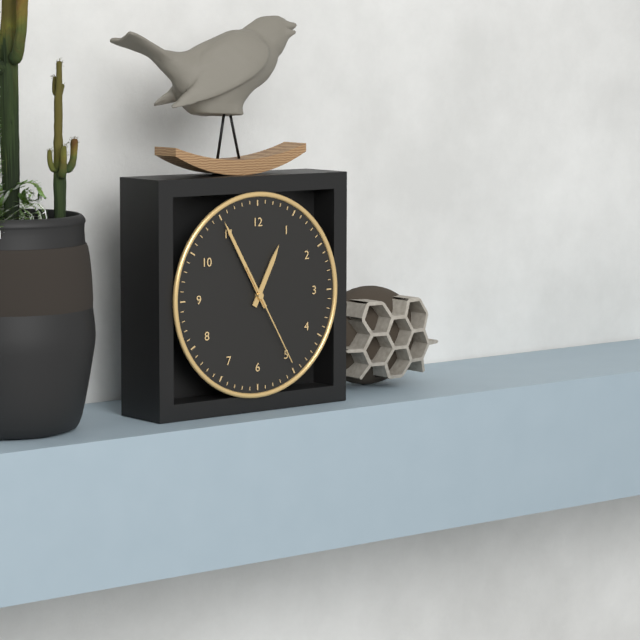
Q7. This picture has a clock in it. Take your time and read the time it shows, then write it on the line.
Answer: 12:55:25
